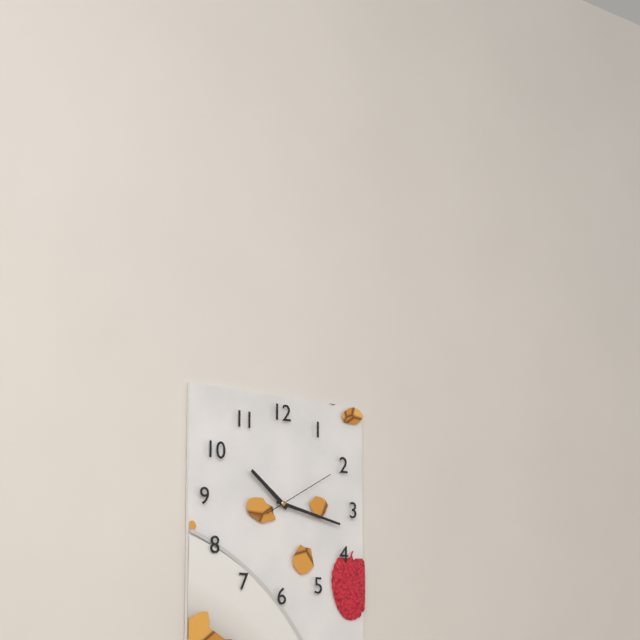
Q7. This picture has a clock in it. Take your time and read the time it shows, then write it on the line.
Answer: 10:17:10
